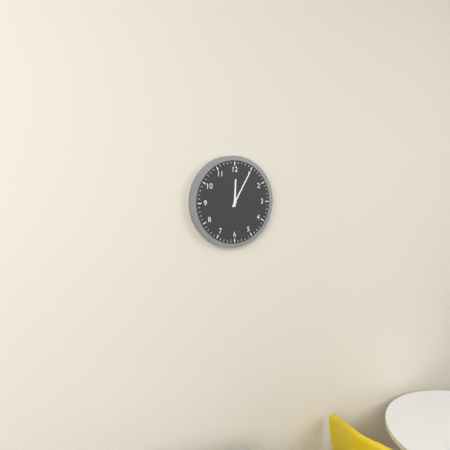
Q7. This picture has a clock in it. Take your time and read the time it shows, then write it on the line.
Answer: 12:05
